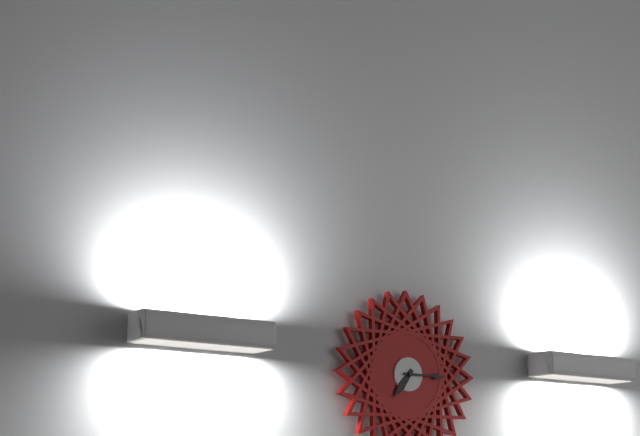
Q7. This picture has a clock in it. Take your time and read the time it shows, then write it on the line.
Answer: 7:15
